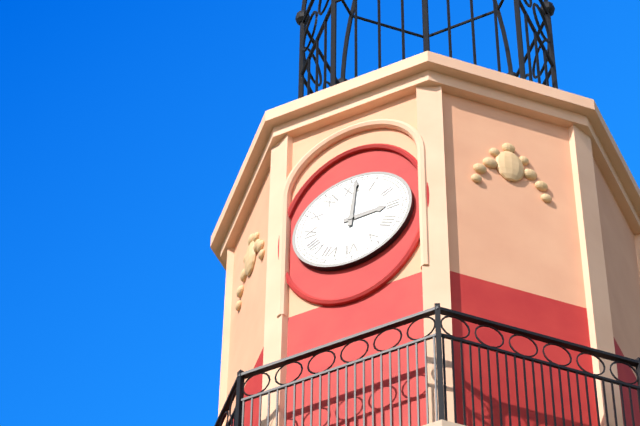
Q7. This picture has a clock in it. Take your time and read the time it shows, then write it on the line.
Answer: 3:01
